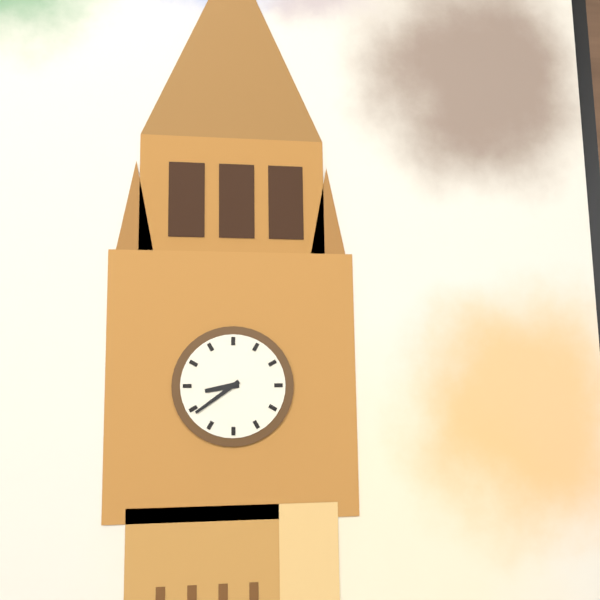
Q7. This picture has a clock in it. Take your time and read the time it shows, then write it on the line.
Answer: 8:39
